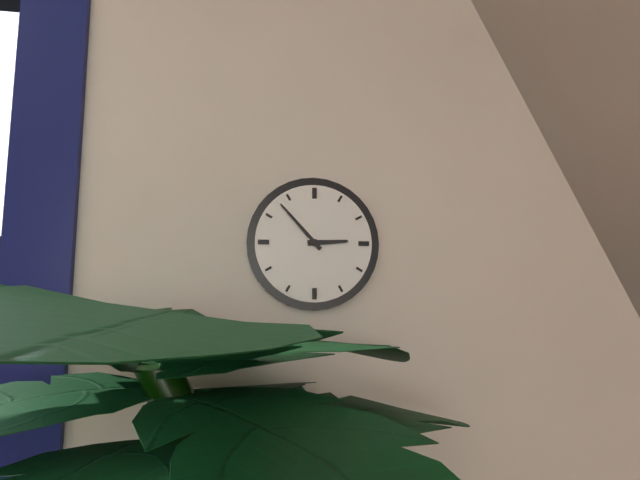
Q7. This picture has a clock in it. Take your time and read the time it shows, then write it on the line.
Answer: 2:53
